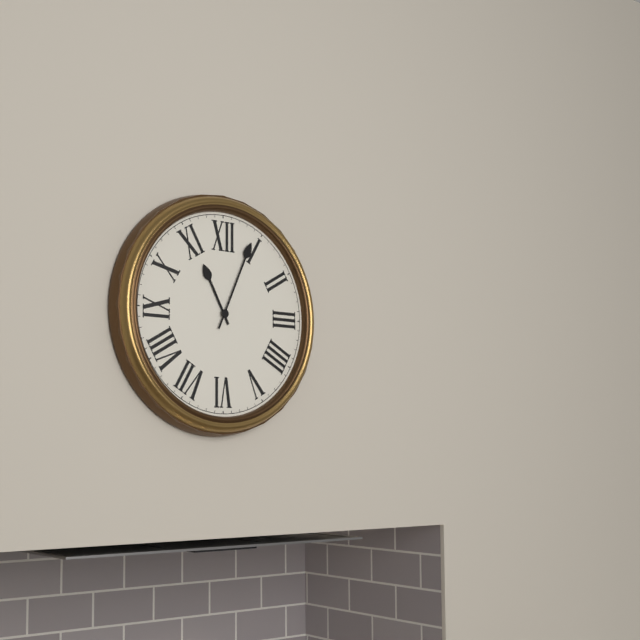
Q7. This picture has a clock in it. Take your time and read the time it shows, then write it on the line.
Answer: 11:04
